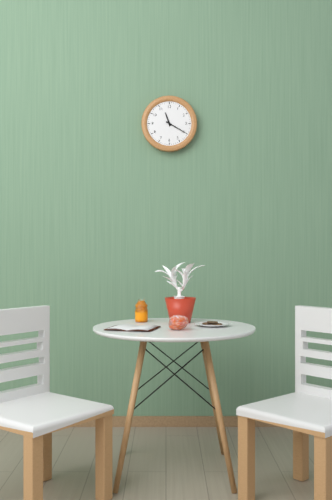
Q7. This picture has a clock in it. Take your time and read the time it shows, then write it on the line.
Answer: 11:20
